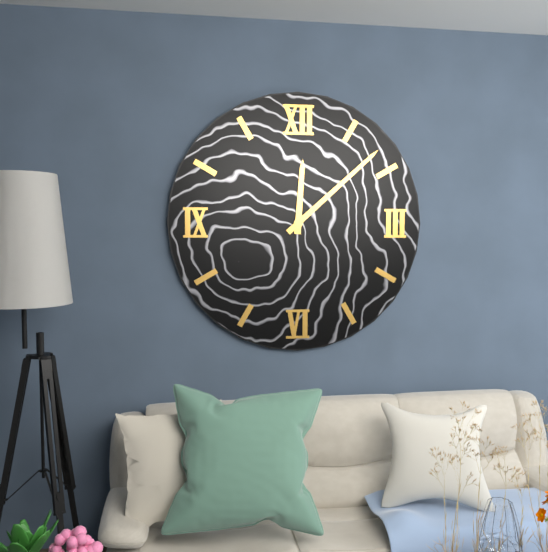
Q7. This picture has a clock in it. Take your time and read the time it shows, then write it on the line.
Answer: 12:08
